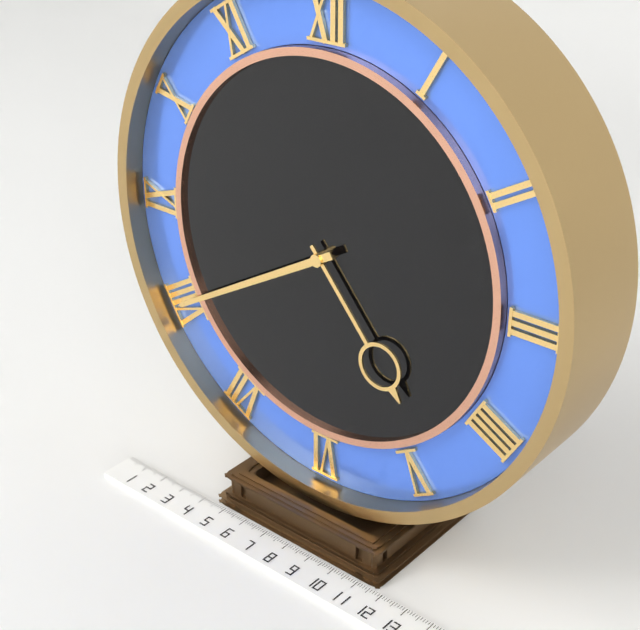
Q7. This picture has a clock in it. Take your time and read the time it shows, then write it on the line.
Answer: 4:40
